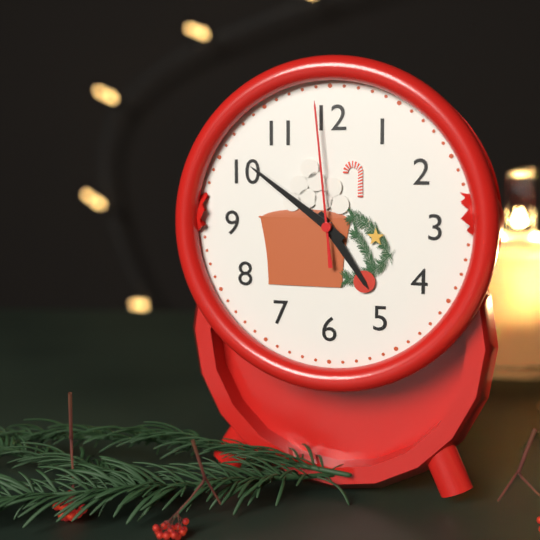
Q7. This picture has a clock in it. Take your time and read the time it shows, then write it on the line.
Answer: 4:51:59
